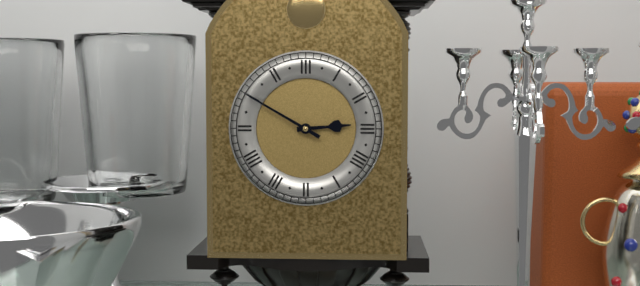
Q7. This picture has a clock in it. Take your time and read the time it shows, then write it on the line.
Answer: 2:50
